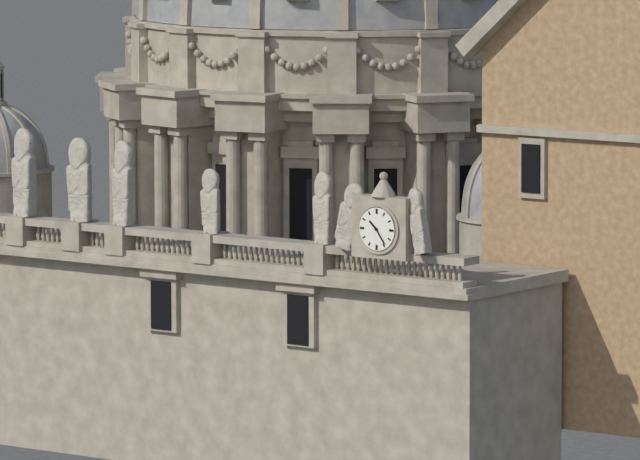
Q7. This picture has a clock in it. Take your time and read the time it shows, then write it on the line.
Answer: 10:24
